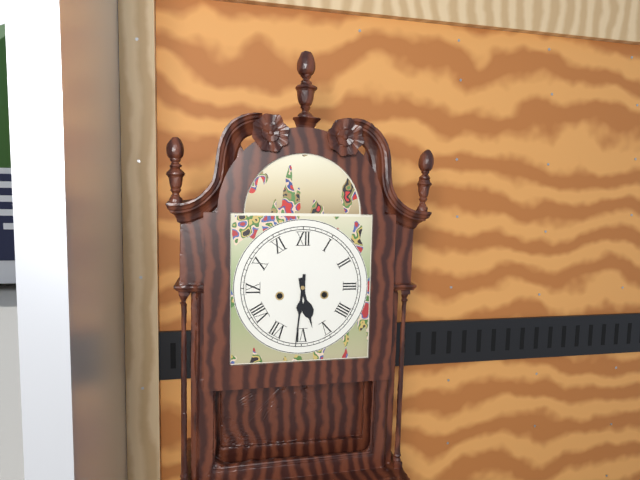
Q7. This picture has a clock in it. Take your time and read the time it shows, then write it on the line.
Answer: 5:31
